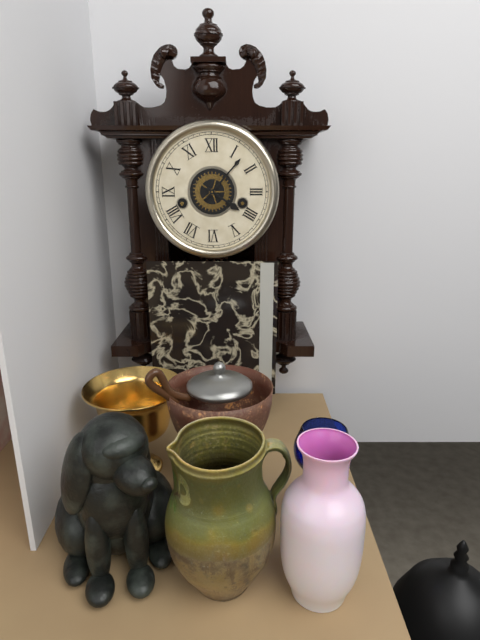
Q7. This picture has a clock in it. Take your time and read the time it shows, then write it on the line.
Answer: 4:07
